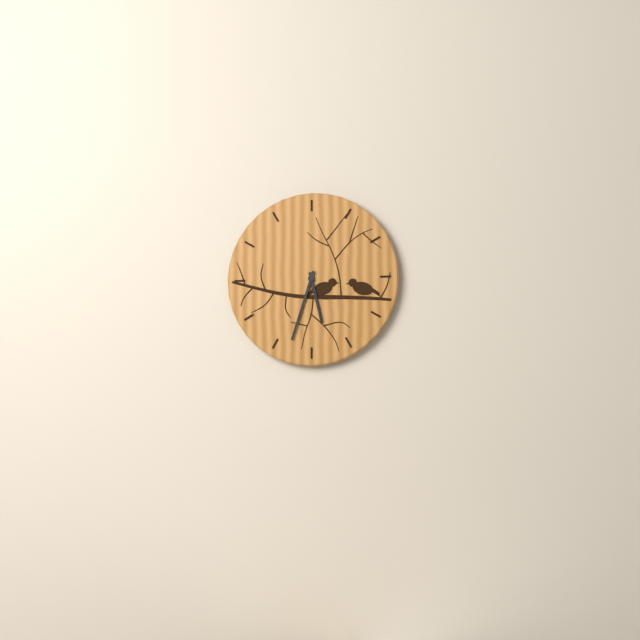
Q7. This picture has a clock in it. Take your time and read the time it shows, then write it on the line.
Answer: 5:33
